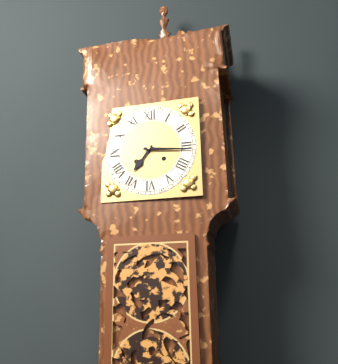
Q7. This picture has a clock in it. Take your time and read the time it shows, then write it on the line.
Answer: 7:16
